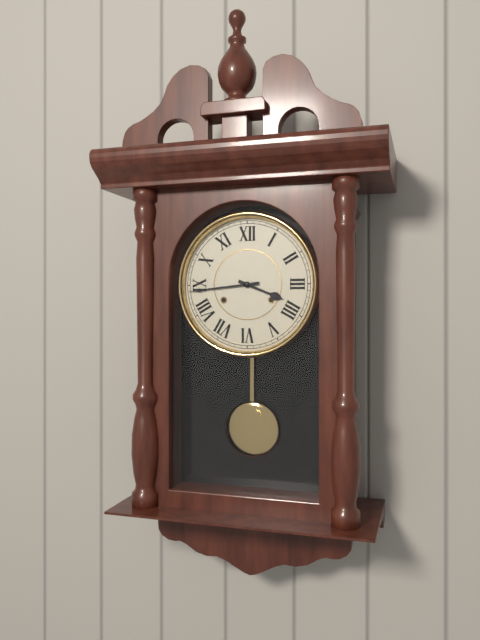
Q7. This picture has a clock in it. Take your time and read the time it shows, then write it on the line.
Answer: 3:44
